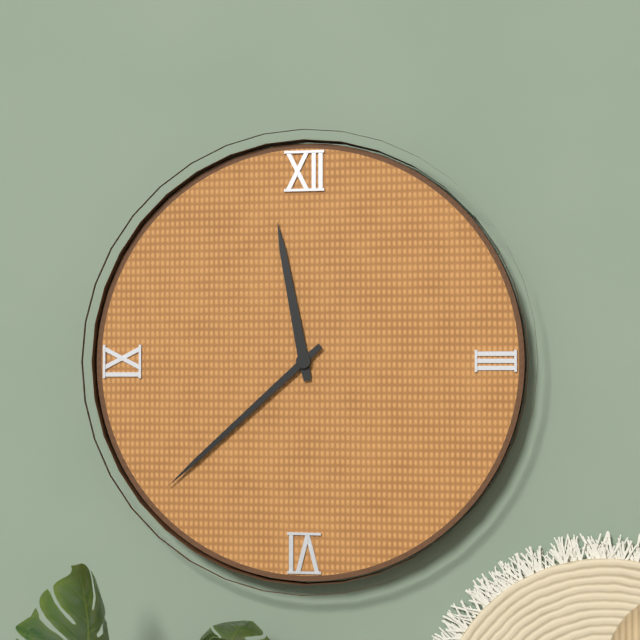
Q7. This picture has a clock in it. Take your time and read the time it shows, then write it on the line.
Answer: 11:38
